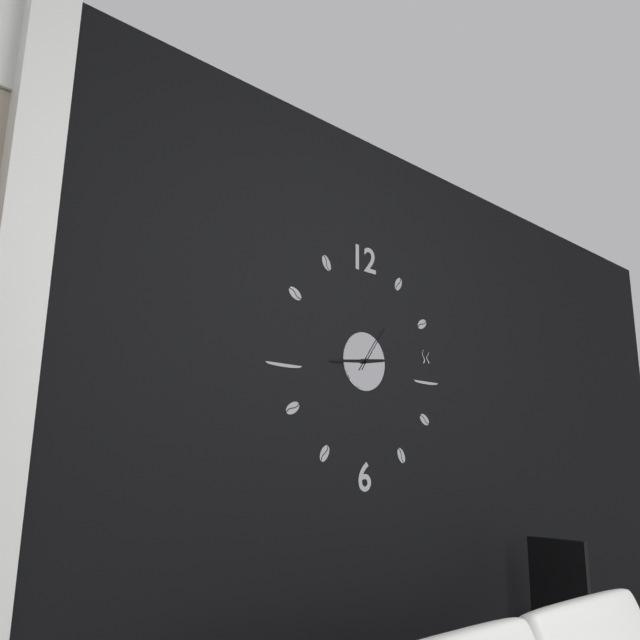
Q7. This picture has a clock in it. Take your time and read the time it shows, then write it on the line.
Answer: 2:44
